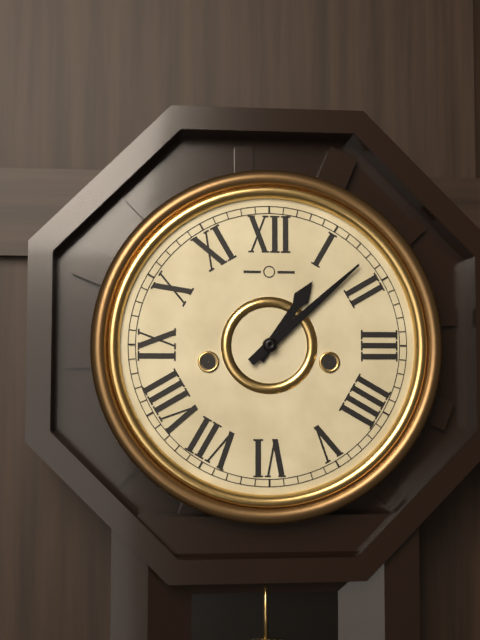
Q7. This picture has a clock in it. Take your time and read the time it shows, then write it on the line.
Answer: 1:08
